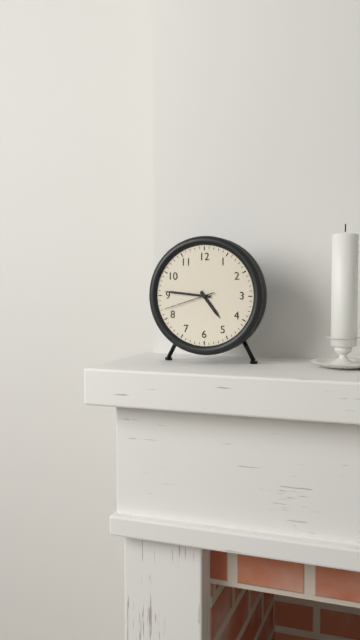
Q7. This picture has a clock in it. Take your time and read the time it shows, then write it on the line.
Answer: 4:46:42
